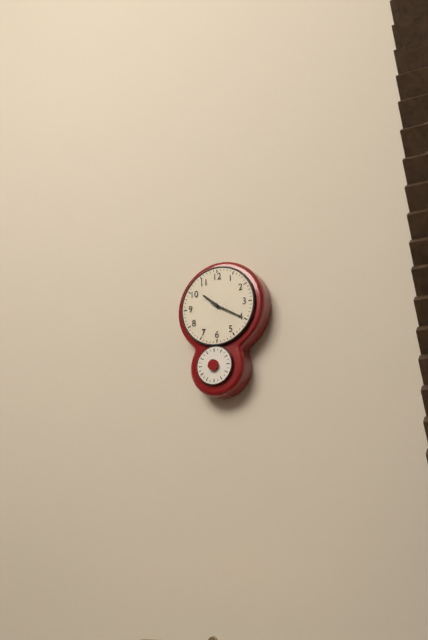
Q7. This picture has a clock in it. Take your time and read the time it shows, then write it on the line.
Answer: 10:20
